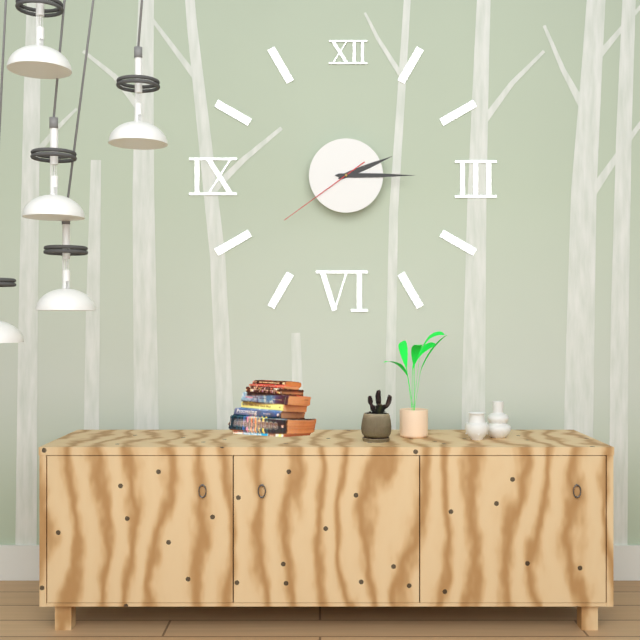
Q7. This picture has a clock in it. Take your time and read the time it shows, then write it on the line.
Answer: 2:15:39
